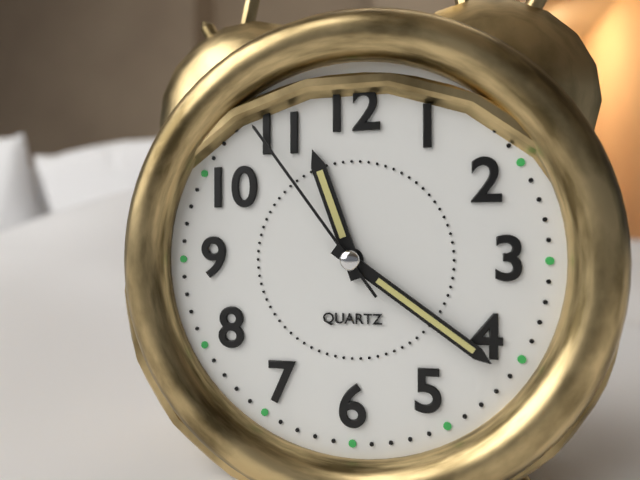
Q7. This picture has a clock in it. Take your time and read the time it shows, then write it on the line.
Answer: 11:21:54
